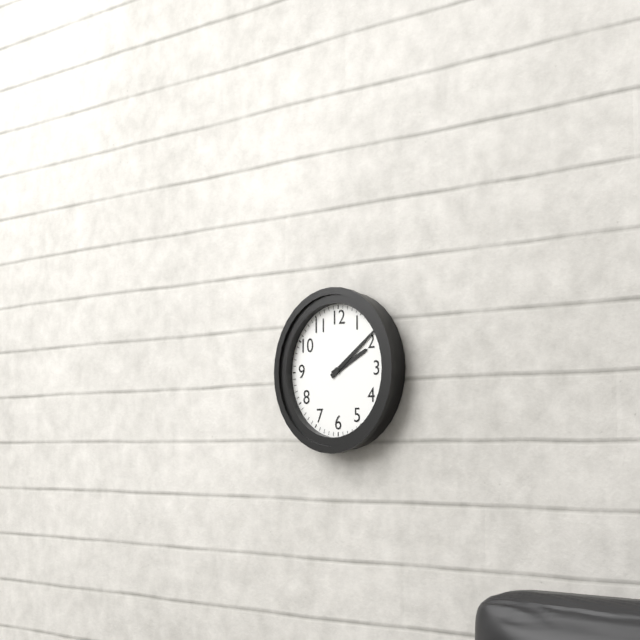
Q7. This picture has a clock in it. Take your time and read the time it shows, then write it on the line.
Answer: 2:09
